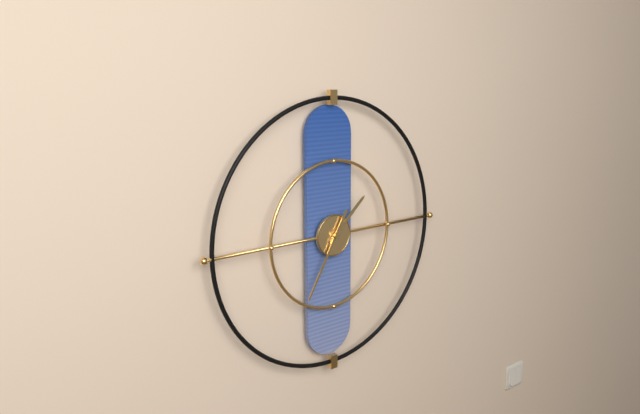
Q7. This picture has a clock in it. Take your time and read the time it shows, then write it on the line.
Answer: 1:35
